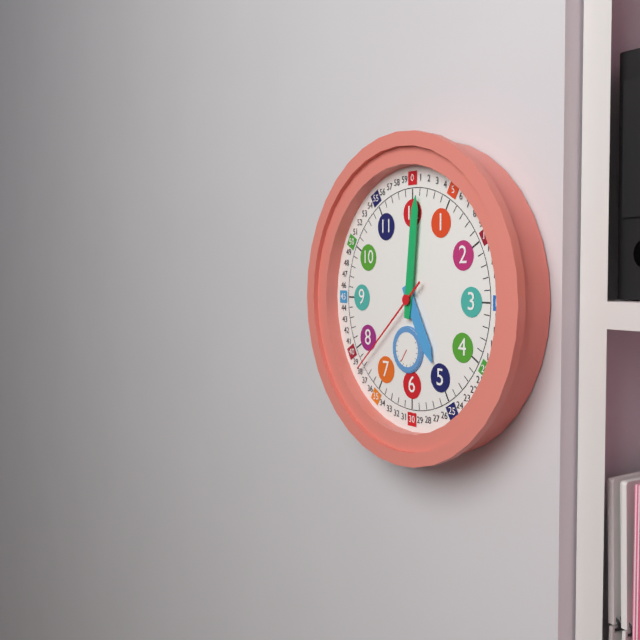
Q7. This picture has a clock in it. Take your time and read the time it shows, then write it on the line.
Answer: 5:01:38
